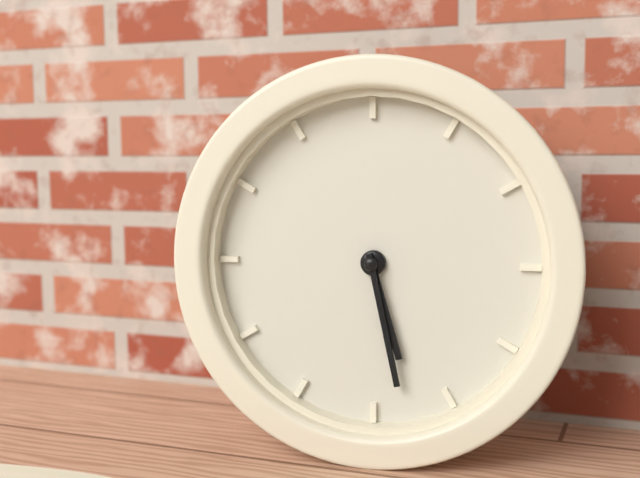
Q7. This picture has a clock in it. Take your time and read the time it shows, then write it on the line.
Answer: 5:28
